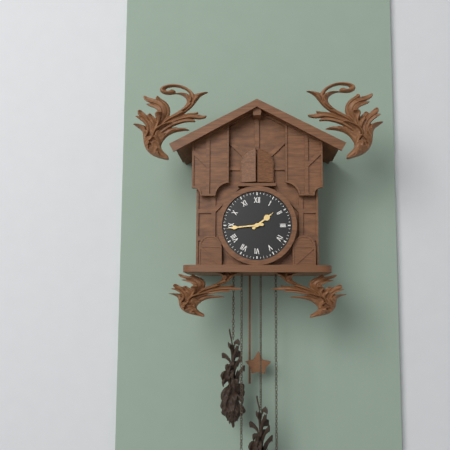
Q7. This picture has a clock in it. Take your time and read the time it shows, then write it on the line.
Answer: 1:44
